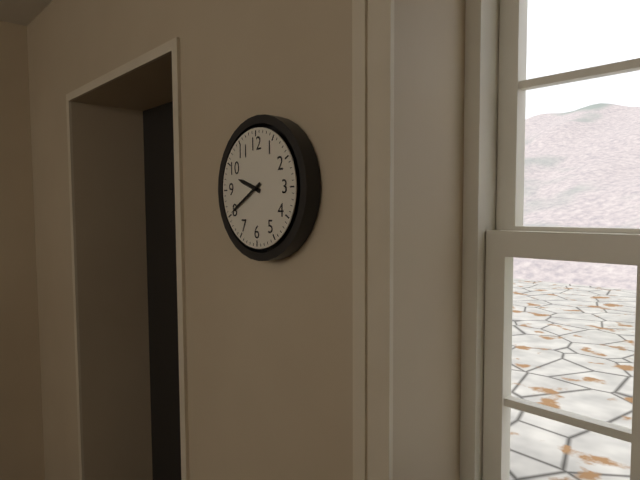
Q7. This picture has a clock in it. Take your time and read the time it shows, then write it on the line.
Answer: 9:40
